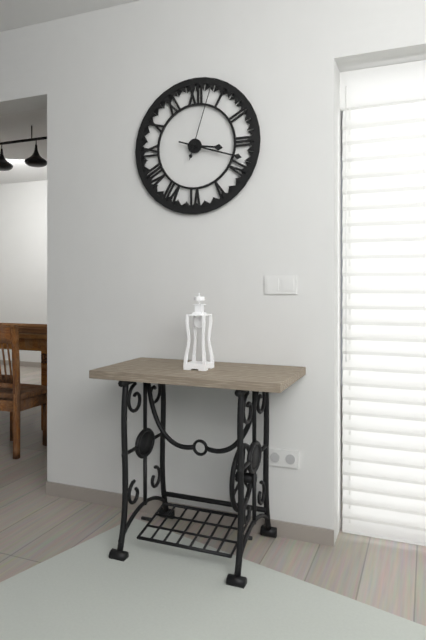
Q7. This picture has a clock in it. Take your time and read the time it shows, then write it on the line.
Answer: 3:18:03
